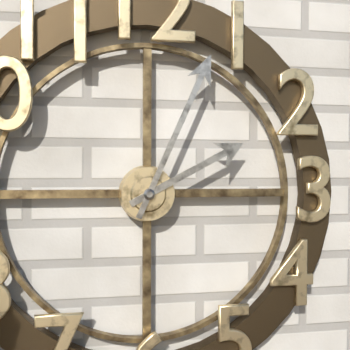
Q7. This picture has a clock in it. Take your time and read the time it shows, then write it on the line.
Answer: 2:04
